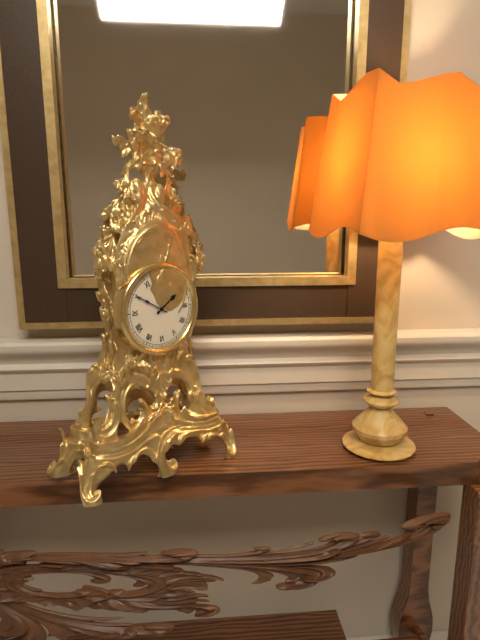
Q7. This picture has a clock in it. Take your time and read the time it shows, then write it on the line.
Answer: 1:50
